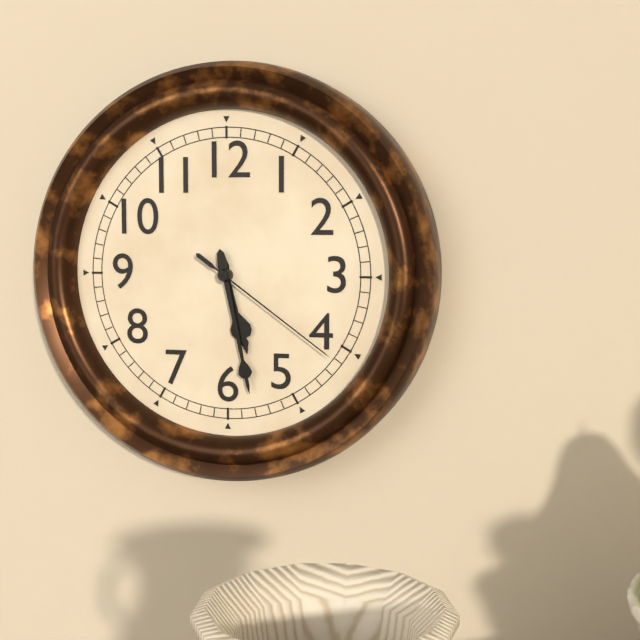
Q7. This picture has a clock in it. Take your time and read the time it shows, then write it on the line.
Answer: 5:28:21
